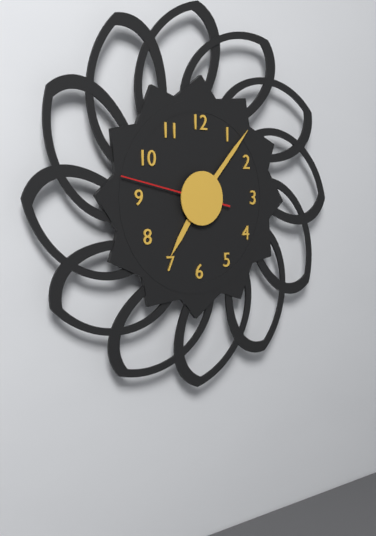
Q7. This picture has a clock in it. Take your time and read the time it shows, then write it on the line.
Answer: 7:07:47
